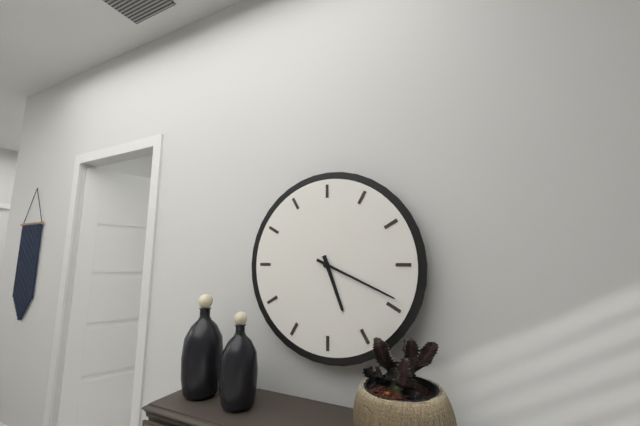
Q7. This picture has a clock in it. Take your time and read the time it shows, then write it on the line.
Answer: 5:19
